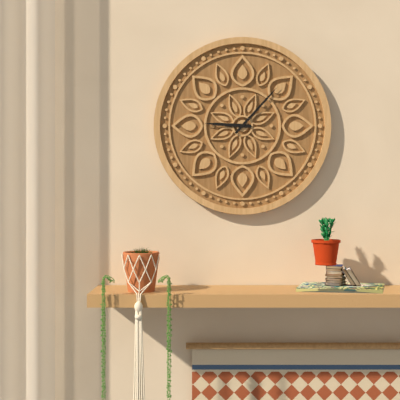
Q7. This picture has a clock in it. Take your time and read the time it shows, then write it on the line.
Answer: 9:07
